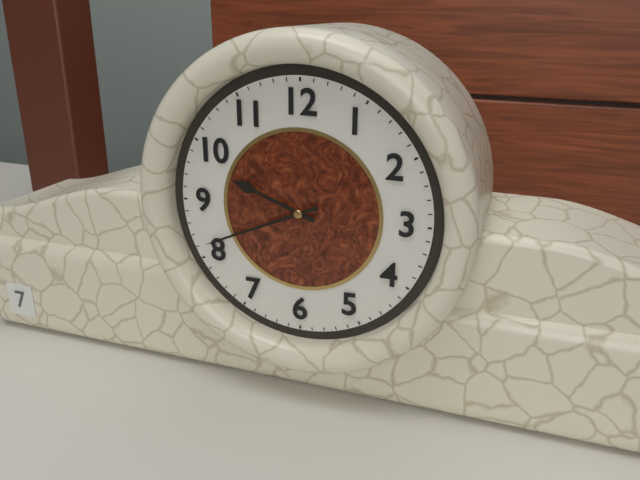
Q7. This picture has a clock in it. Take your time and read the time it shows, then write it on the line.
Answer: 9:41
